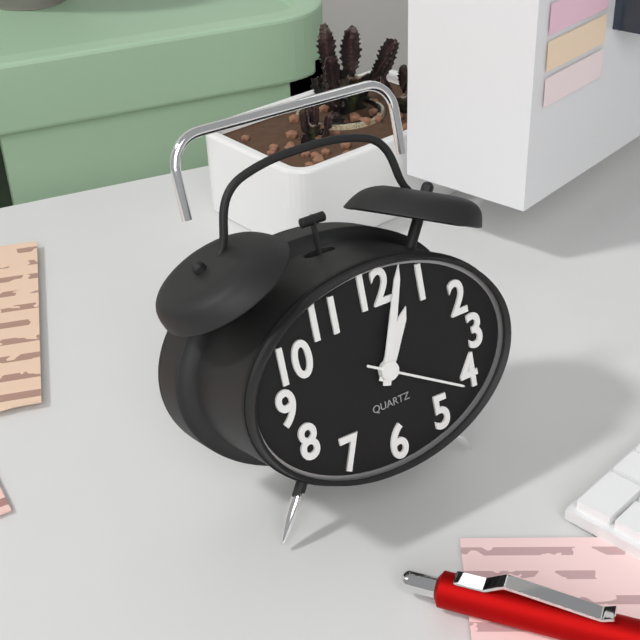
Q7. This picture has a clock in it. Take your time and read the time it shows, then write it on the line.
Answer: 1:03:20
